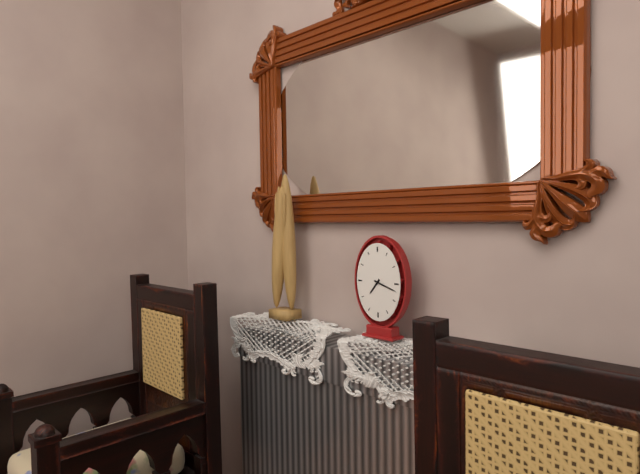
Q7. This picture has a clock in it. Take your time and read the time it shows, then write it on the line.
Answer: 7:18
